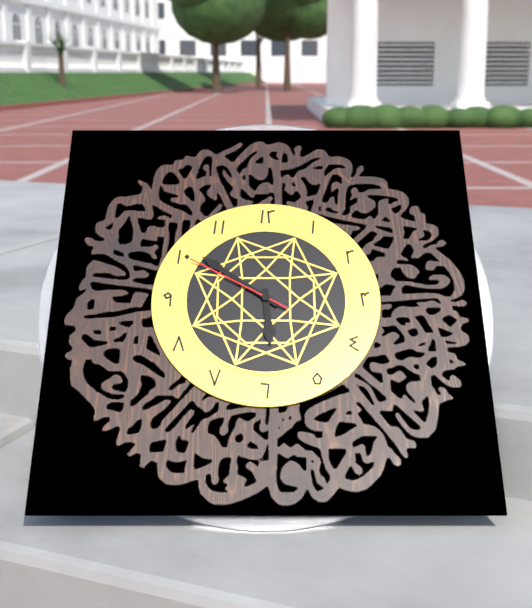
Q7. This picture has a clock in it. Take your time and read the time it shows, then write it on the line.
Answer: 5:51:50
